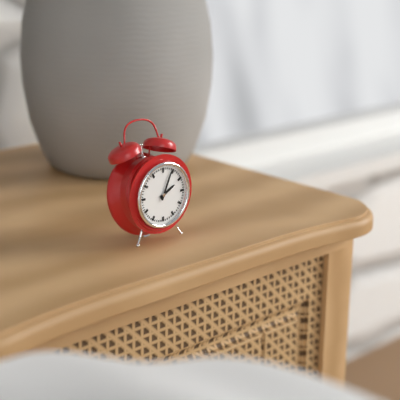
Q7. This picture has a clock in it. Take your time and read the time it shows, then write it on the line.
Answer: 2:04
